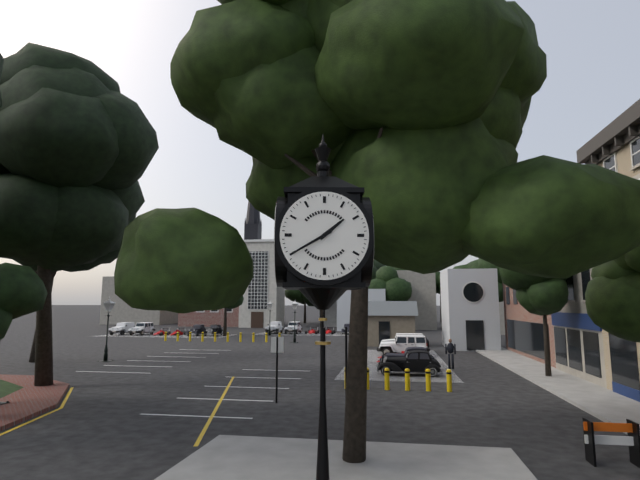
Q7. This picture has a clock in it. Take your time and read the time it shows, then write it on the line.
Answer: 1:40
